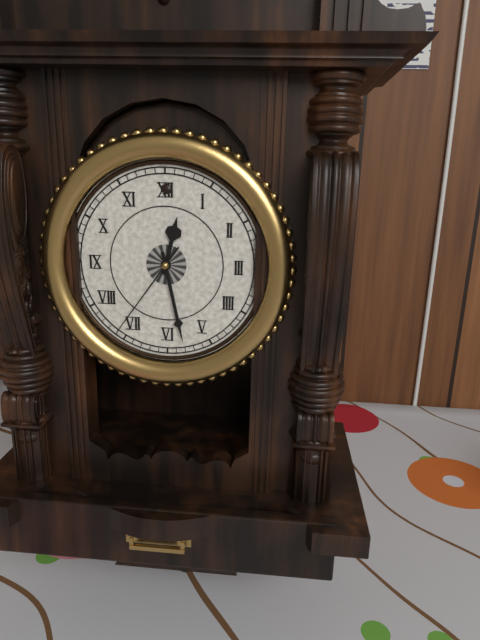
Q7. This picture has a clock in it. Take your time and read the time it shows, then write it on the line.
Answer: 12:28:36
